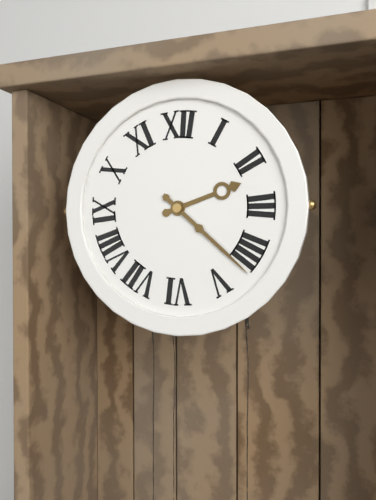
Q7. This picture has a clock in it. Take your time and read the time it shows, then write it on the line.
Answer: 2:22
